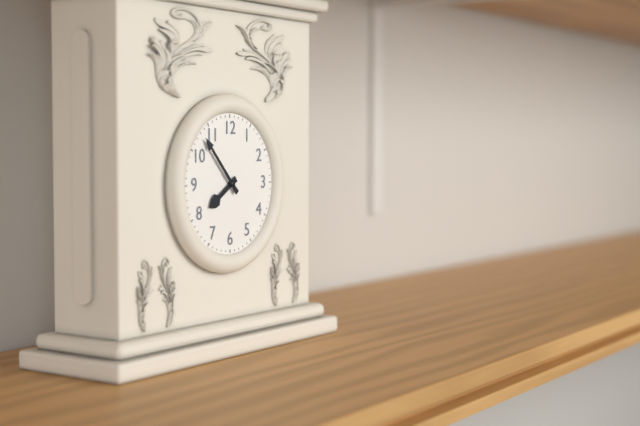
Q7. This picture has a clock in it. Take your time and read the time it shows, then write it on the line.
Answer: 7:53
